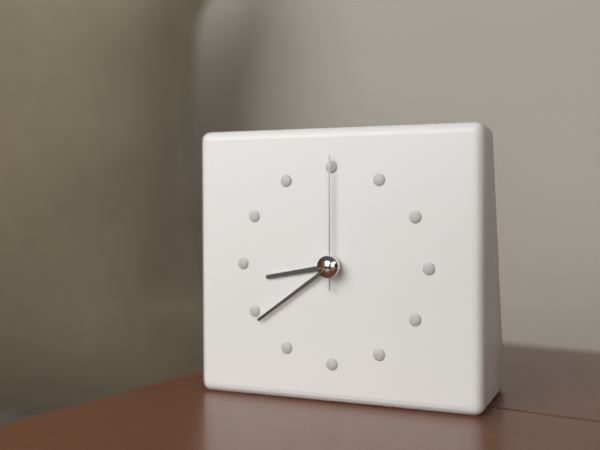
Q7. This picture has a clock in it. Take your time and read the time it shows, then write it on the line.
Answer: 8:39:00
